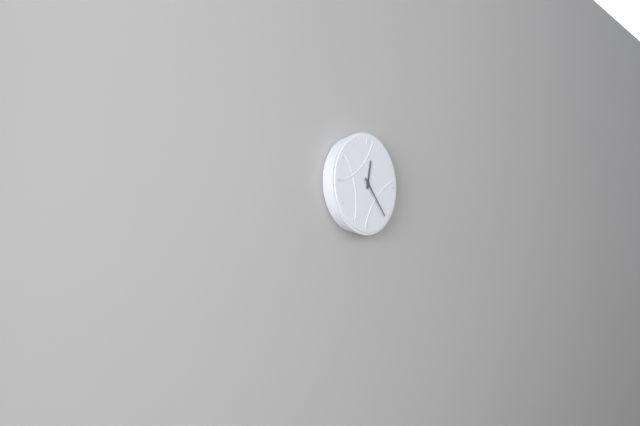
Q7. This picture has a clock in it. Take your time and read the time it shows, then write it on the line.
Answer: 12:23
